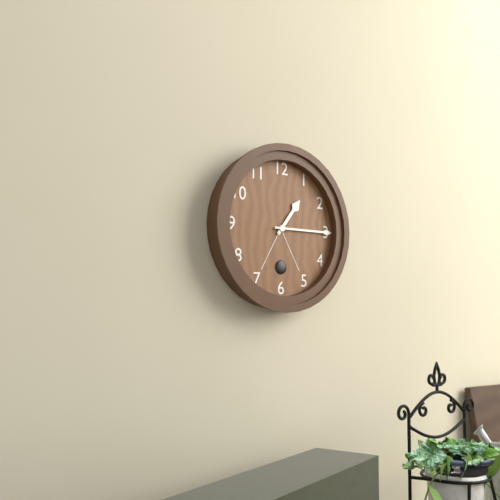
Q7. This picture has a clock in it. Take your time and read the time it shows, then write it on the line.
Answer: 1:15
